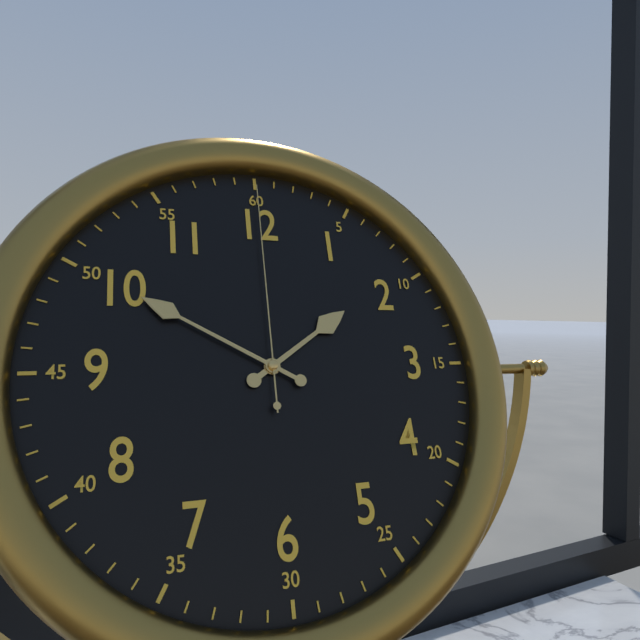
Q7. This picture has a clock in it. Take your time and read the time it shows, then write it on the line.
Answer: 1:50:00
